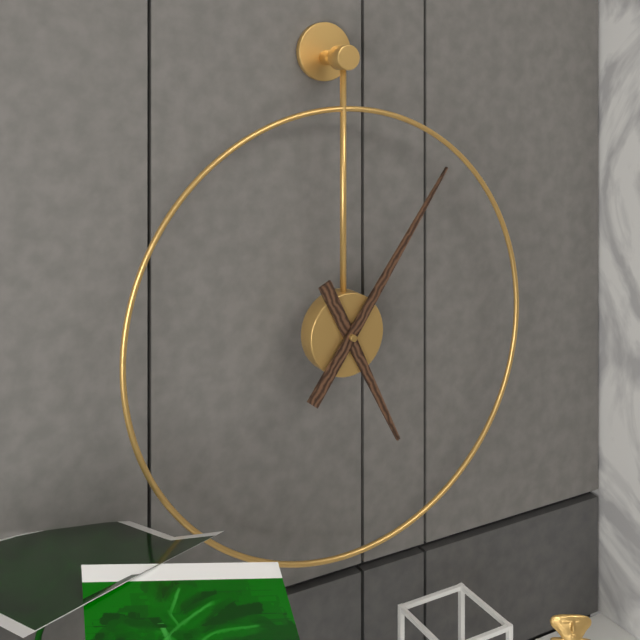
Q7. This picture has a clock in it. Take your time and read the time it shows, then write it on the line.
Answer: 5:06
